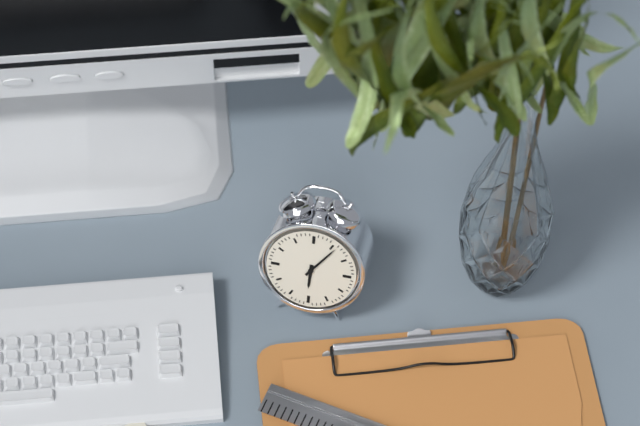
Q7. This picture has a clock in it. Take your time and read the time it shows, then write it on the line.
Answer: 6:06
